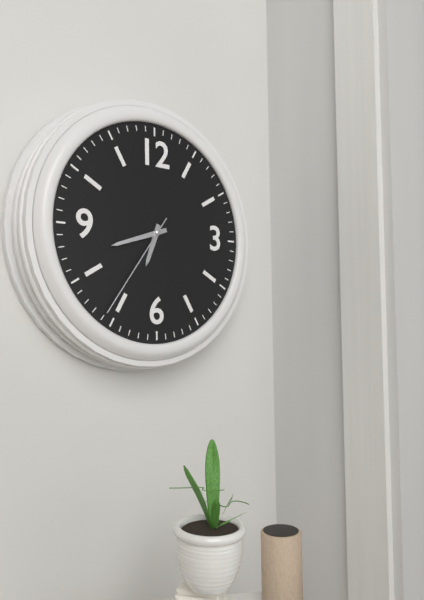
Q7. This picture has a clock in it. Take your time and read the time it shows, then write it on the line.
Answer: 6:42:36
